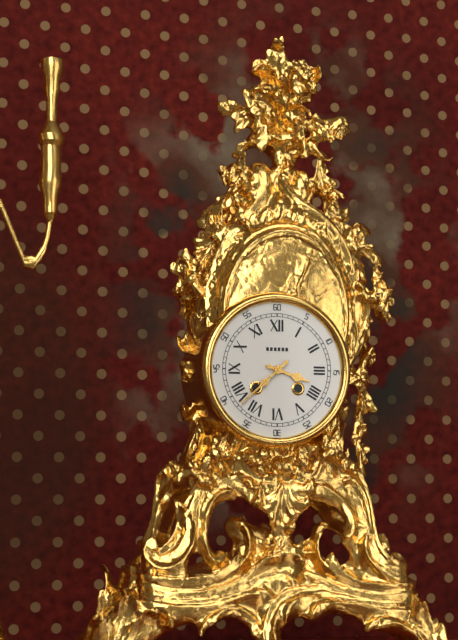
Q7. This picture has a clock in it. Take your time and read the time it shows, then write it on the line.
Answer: 3:38
